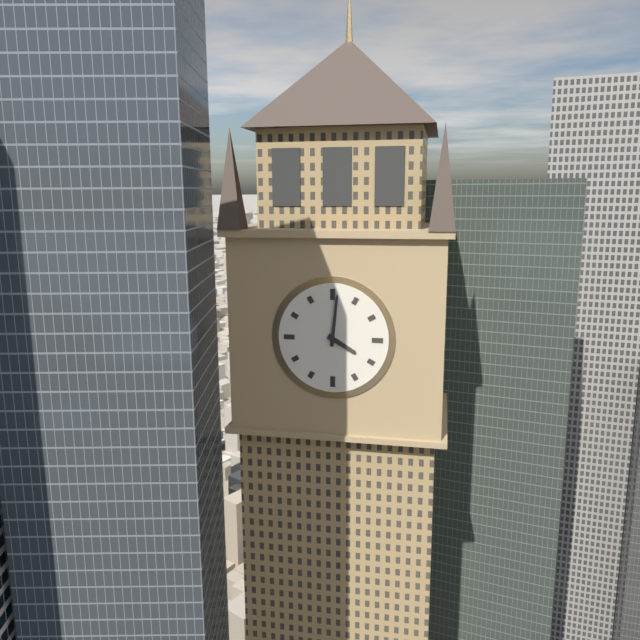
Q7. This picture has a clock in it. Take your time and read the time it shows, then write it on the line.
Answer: 4:01
